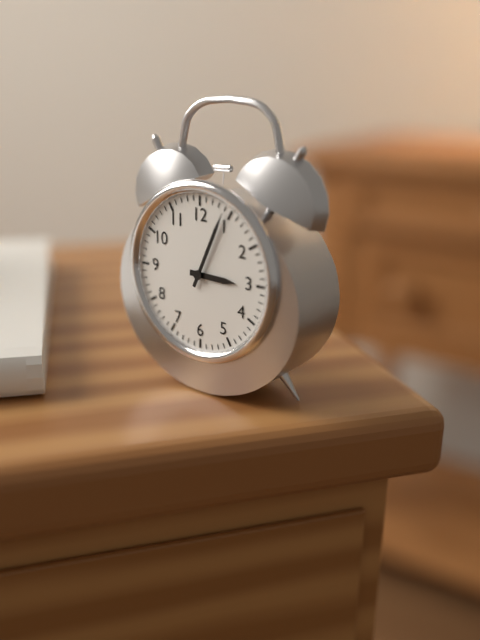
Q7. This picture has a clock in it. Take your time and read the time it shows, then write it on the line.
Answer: 3:04
